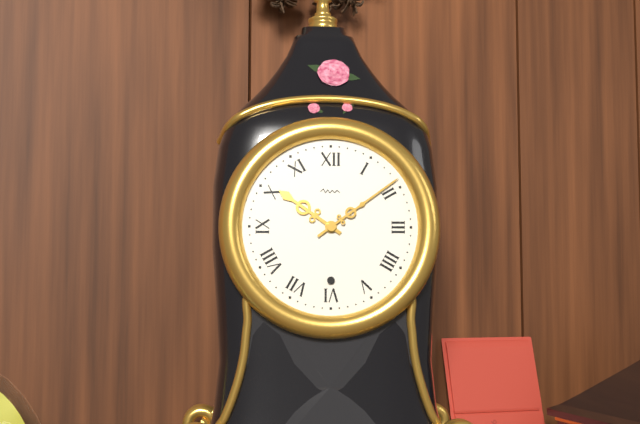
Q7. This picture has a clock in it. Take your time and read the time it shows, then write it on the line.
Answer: 10:09
